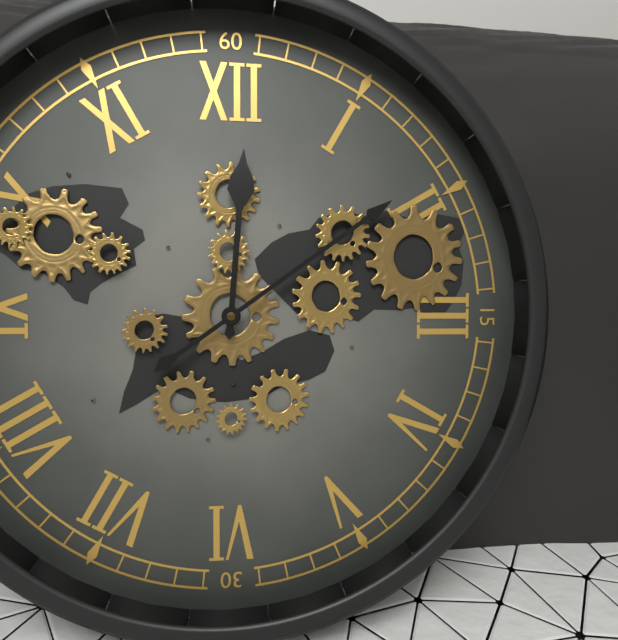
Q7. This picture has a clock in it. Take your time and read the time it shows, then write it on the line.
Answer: 12:09
